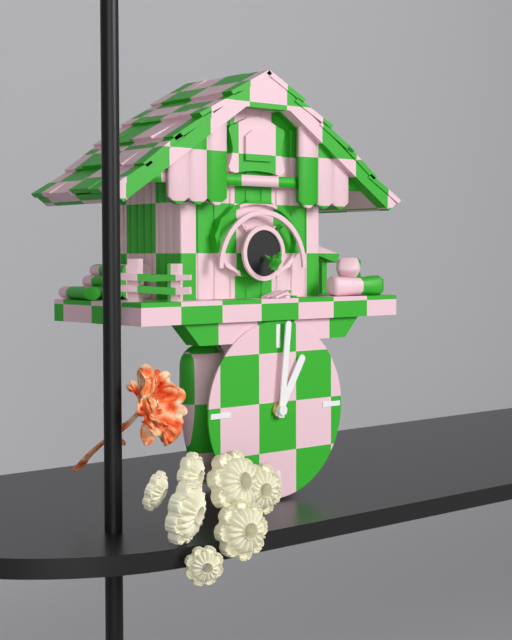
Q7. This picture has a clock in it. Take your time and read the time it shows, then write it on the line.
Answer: 1:01
